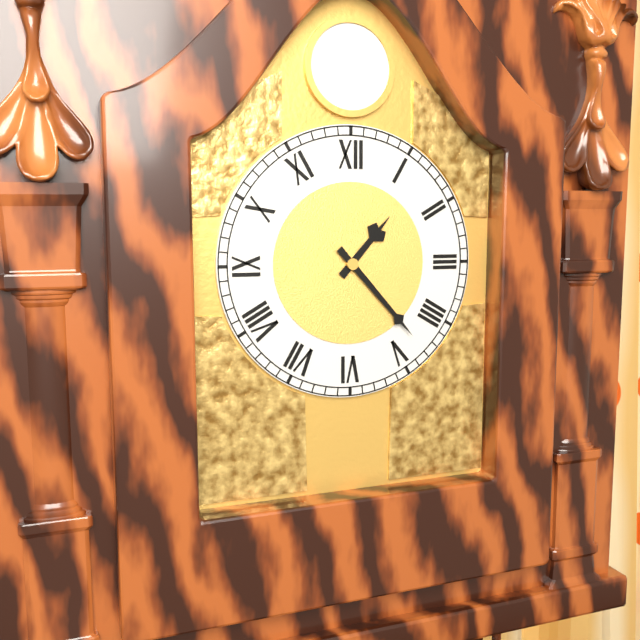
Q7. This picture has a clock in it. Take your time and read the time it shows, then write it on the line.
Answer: 1:23
